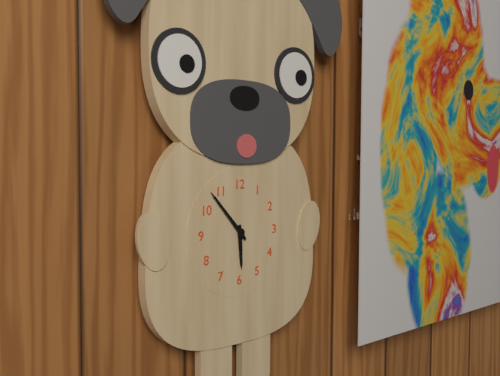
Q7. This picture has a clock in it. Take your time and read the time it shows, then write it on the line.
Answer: 5:53
